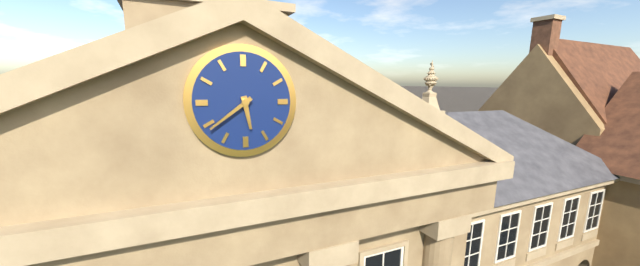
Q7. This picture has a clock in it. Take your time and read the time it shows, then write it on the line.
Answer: 5:39
